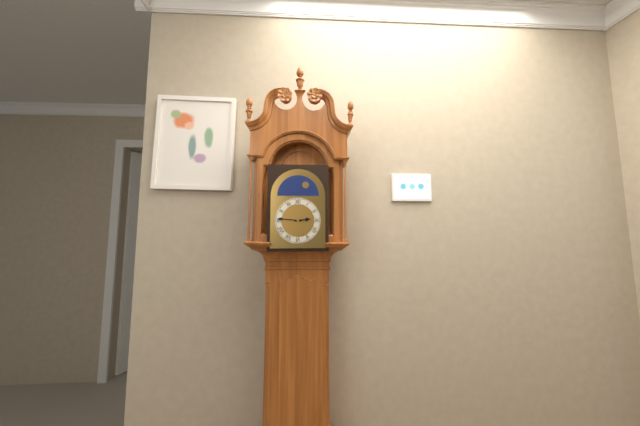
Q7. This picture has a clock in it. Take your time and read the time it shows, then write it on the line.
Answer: 2:46
